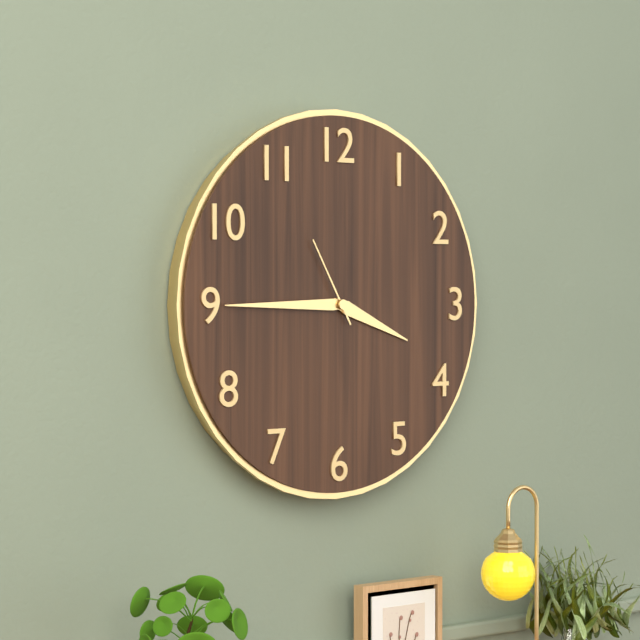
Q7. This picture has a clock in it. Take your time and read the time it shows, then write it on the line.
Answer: 3:45:55
